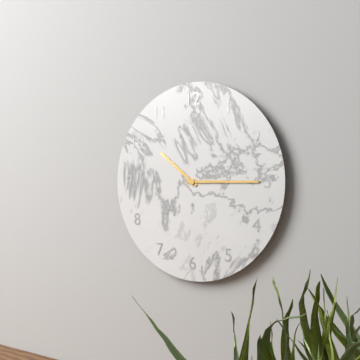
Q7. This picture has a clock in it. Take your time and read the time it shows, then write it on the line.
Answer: 10:15
